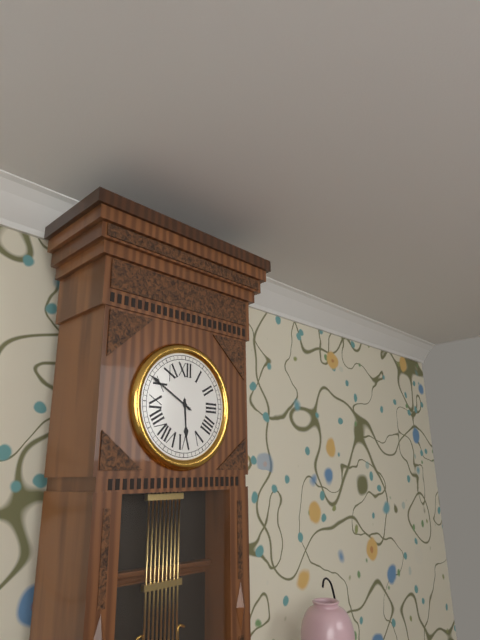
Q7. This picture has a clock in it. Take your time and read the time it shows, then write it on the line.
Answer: 5:50
